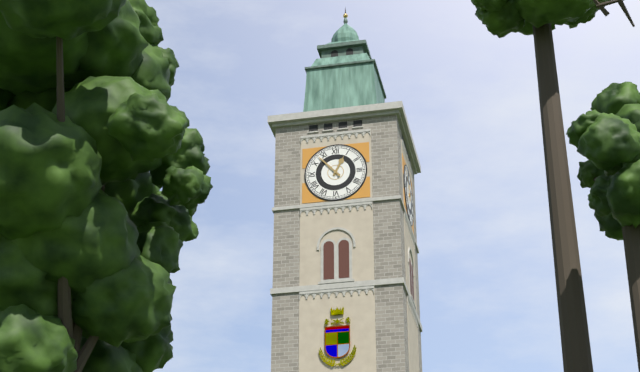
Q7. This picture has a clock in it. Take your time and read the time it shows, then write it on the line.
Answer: 12:53
